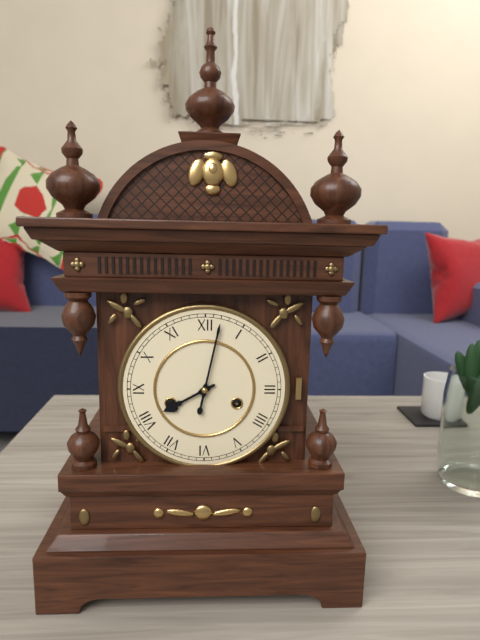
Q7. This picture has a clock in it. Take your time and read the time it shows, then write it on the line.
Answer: 8:02
